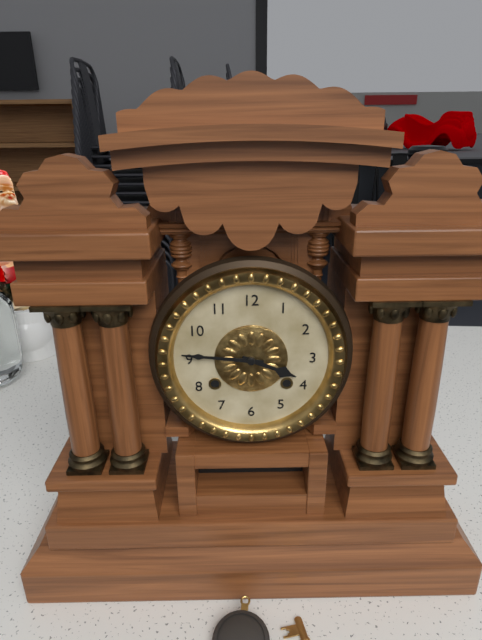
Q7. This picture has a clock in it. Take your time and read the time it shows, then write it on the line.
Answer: 3:46
